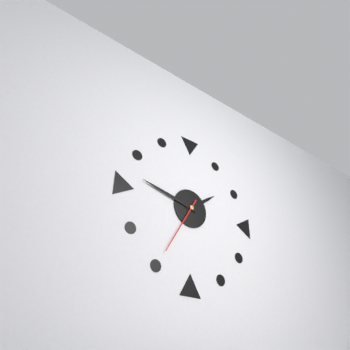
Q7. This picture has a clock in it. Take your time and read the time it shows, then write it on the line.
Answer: 1:47:35
